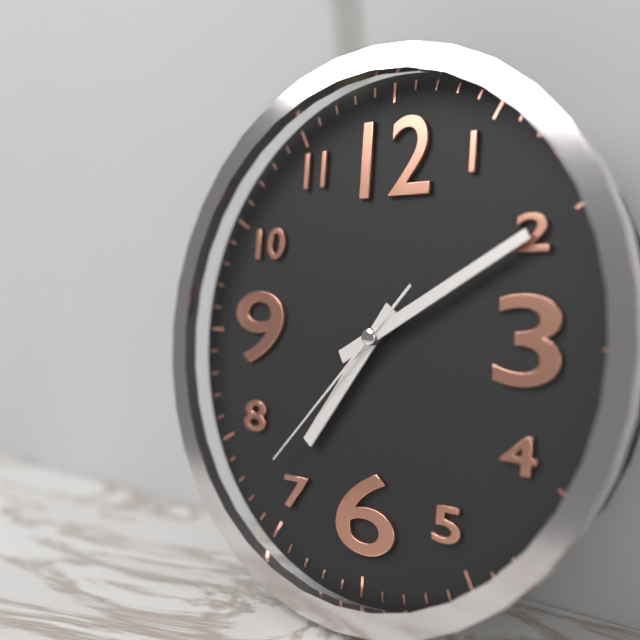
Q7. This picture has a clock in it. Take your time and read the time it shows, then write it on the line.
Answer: 7:10:37
